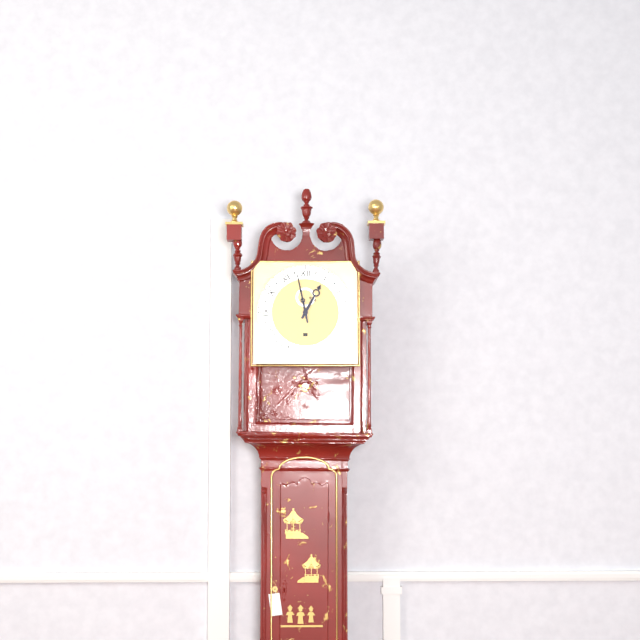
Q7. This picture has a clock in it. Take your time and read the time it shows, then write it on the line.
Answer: 12:58
